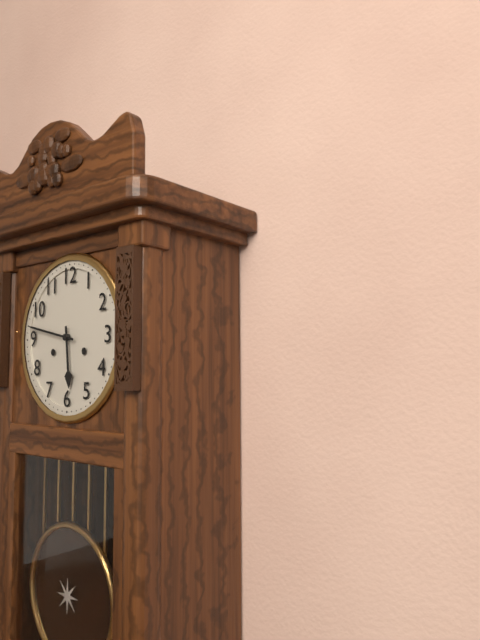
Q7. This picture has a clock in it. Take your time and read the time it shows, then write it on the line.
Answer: 5:47
